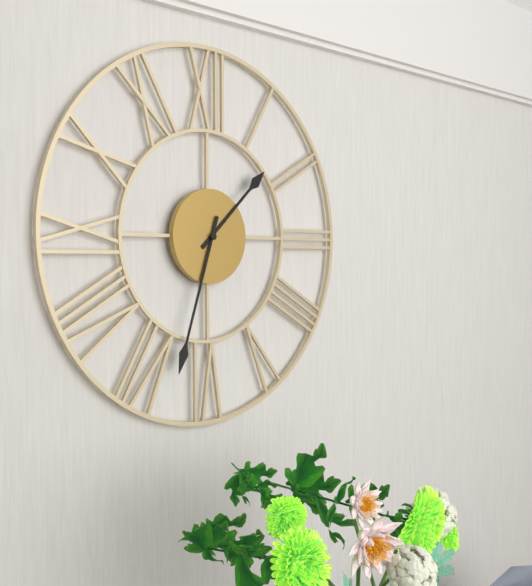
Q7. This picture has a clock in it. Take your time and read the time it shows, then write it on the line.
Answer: 1:33
